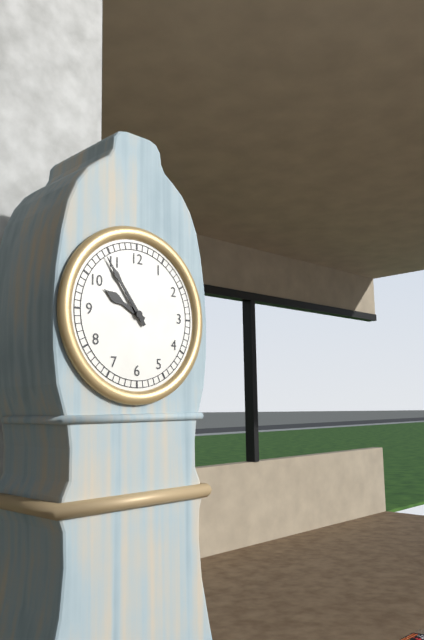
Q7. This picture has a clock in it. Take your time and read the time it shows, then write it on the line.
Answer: 9:54
